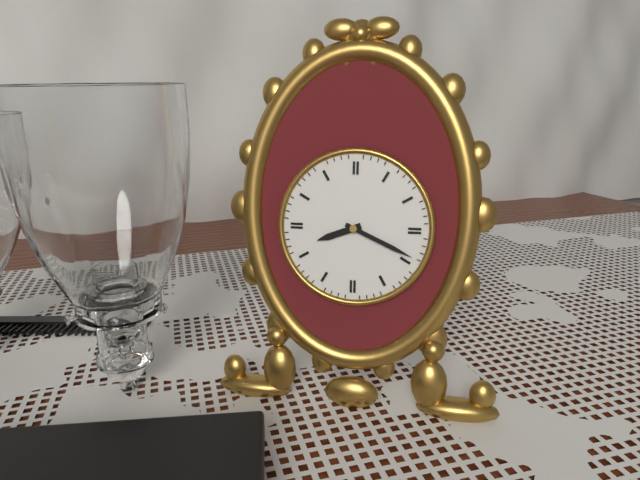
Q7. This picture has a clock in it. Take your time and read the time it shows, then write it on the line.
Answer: 8:19
